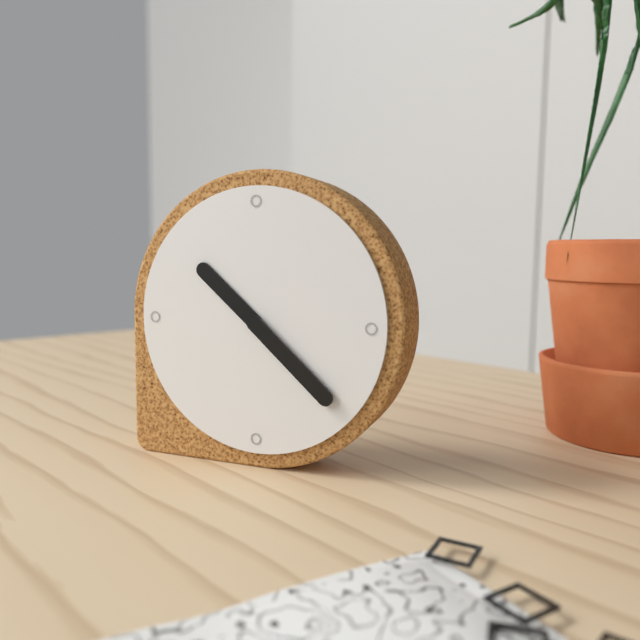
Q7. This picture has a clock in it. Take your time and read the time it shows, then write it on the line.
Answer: 10:22
